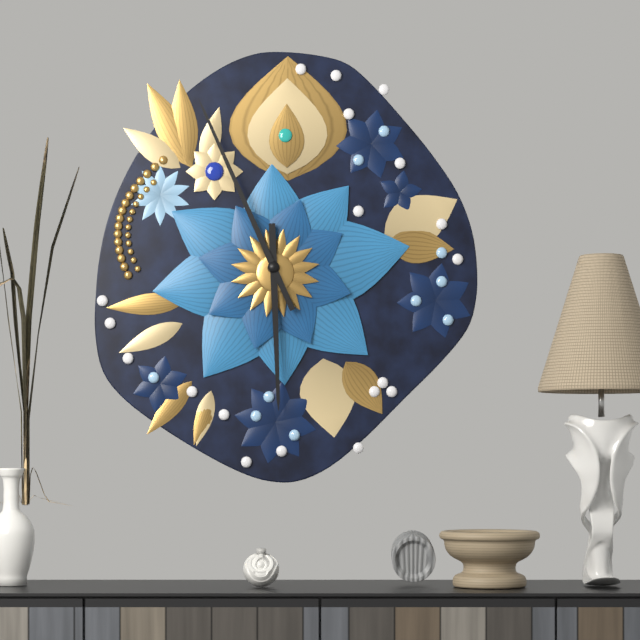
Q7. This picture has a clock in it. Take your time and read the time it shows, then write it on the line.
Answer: 5:56
